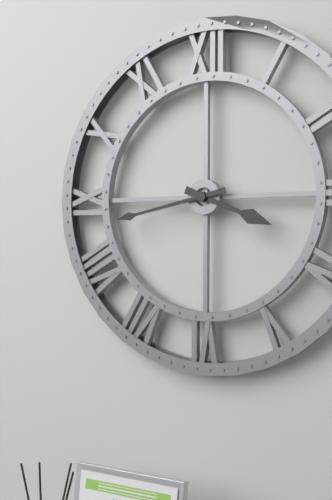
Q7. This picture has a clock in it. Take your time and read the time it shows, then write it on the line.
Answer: 3:43
